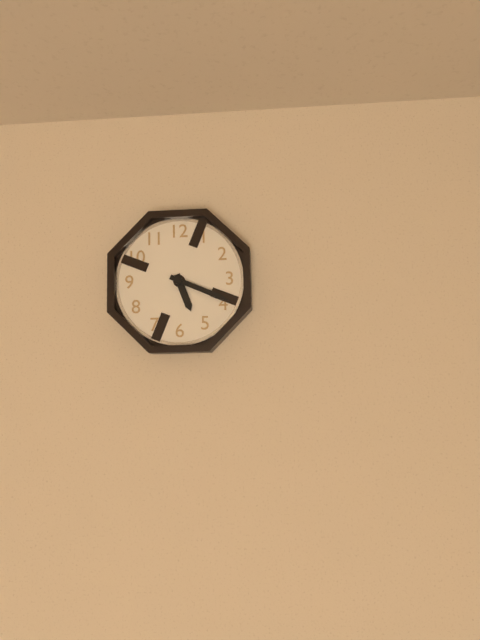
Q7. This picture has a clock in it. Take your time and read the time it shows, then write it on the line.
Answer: 5:19
